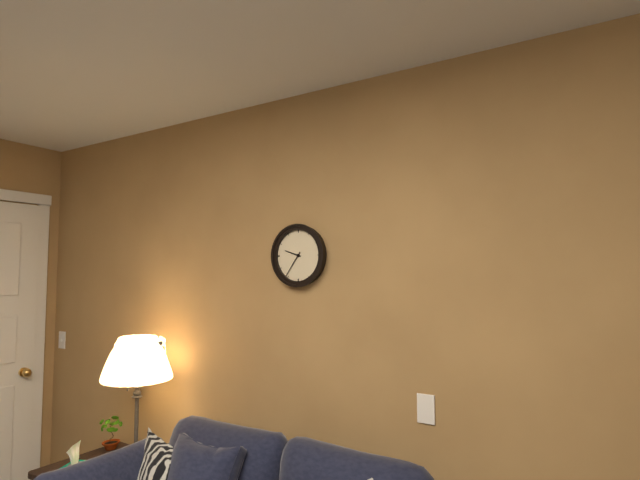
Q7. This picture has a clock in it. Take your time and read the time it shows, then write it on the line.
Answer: 9:36
